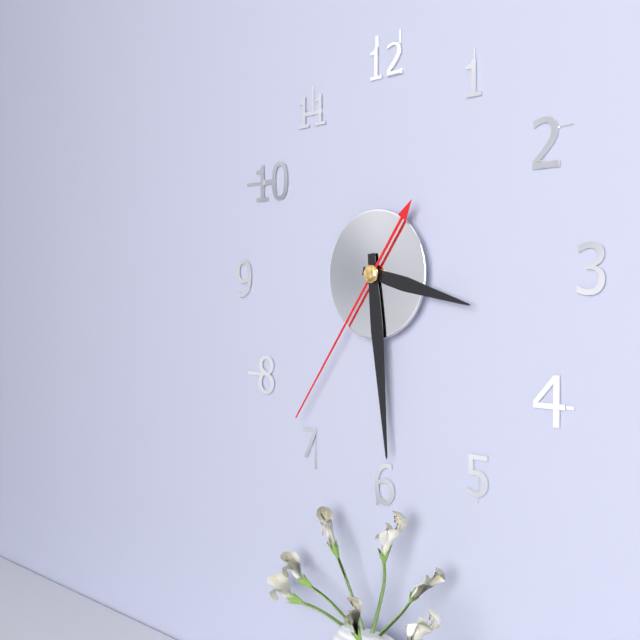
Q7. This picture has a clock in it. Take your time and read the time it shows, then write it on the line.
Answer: 3:29:36
